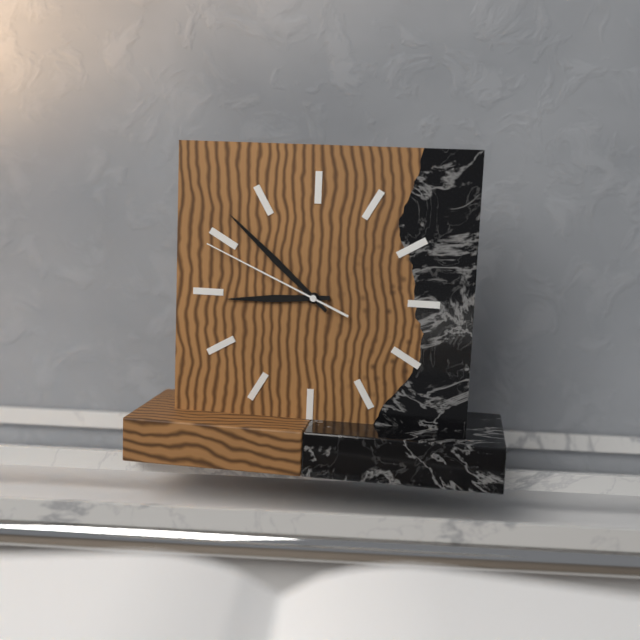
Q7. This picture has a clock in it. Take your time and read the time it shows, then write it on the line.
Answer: 8:52:49
